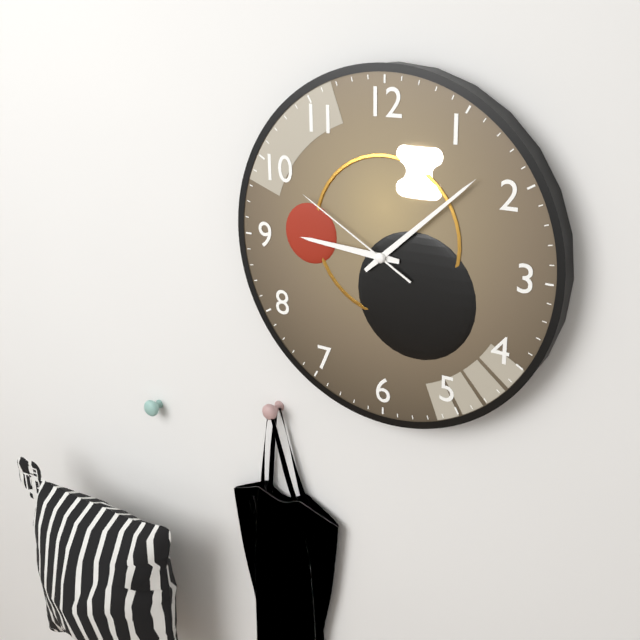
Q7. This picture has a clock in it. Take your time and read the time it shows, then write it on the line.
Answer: 9:08:50
